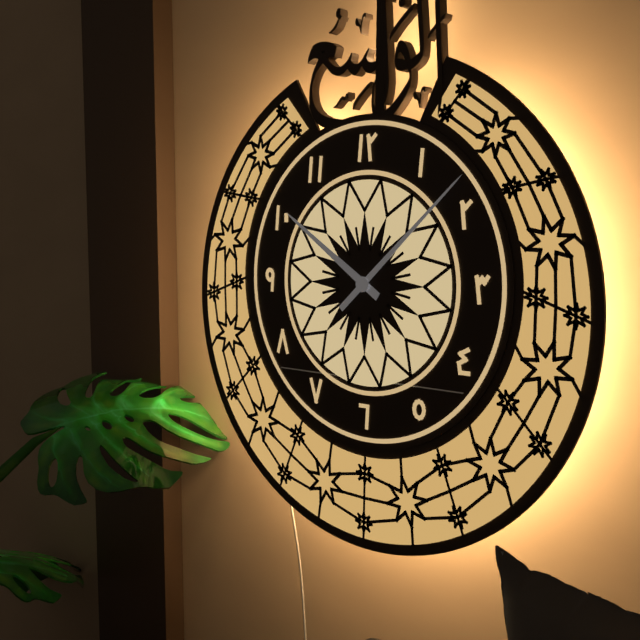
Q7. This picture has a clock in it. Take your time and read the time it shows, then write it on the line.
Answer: 10:08
